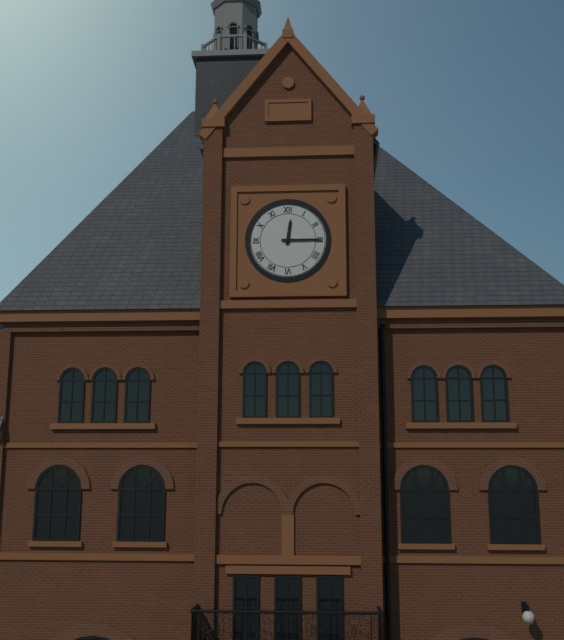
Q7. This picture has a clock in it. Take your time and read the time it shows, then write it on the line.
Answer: 12:15
